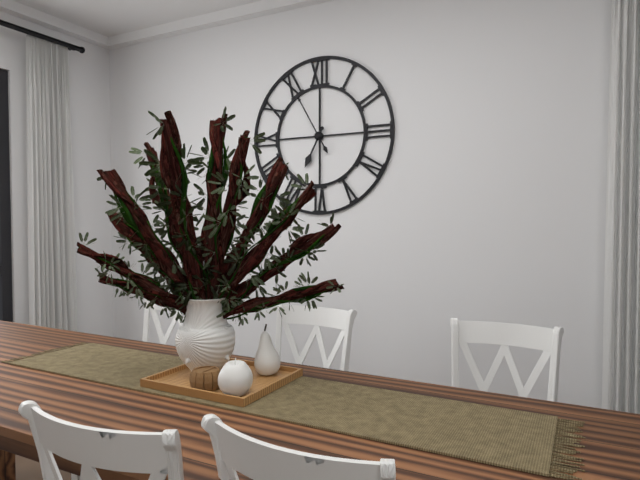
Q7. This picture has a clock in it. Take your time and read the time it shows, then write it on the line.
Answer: 6:55
